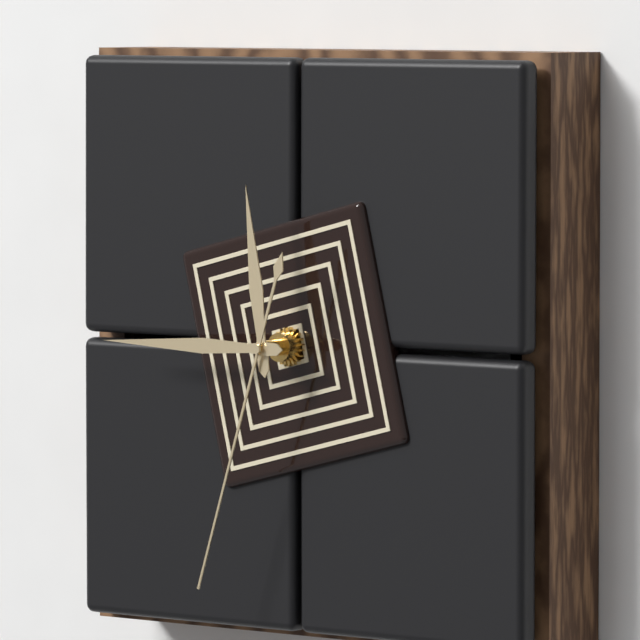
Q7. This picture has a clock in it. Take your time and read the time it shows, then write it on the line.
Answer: 11:45:33
